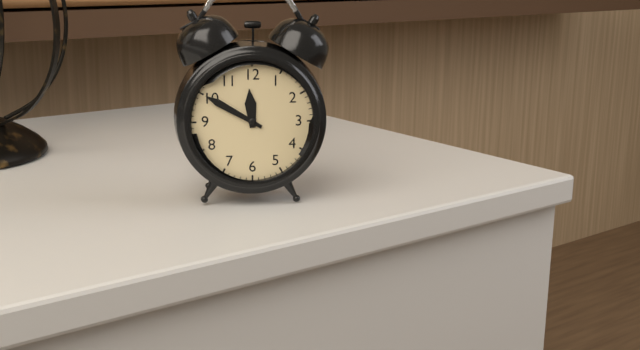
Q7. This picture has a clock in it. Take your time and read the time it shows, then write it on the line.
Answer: 11:50
